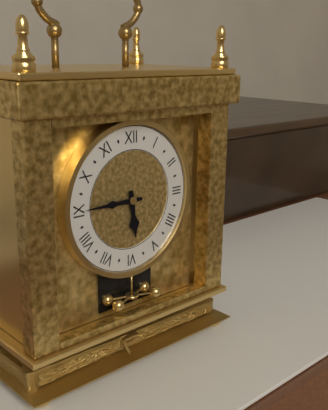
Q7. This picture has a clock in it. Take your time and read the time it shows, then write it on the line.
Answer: 5:45
